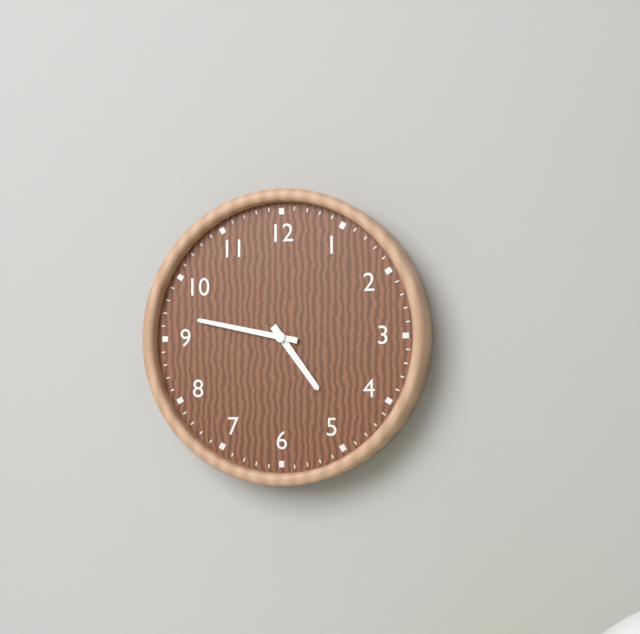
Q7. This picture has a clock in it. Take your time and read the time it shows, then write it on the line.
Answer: 4:47
